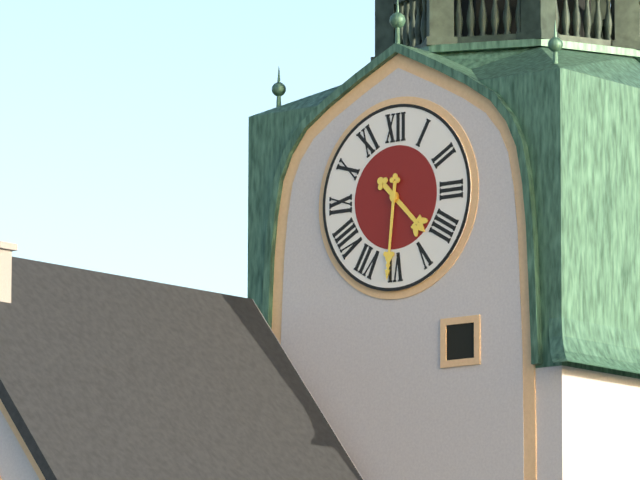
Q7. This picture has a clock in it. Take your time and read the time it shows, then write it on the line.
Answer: 4:31
